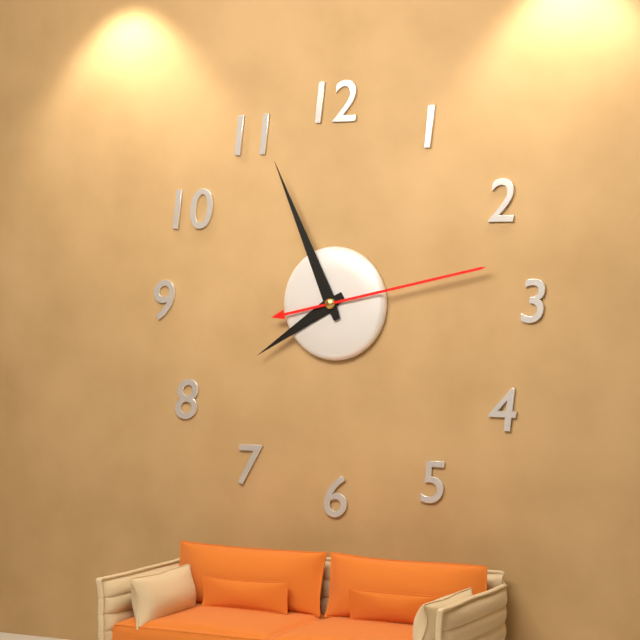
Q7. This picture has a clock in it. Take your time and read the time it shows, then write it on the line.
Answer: 7:56:13
